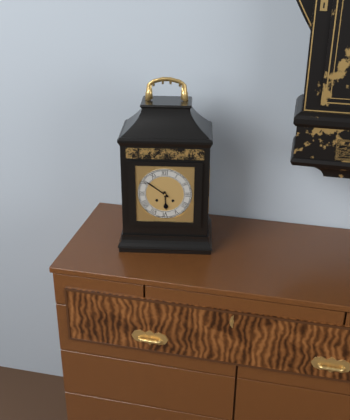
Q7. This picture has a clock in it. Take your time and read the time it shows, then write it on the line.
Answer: 5:51
